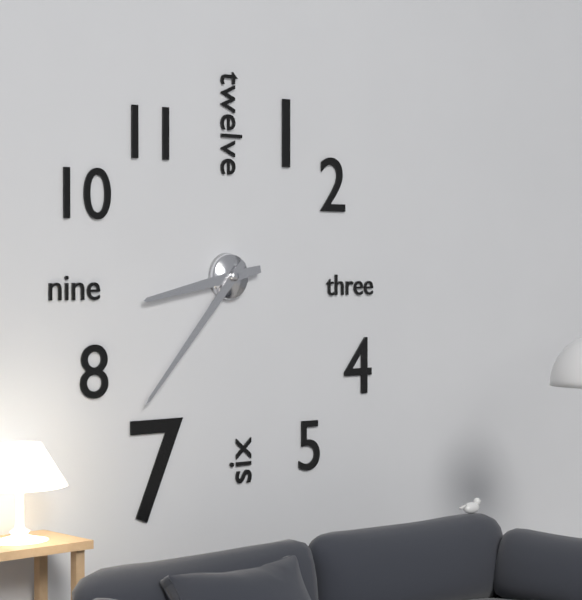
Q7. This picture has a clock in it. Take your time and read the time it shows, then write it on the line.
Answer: 8:37
